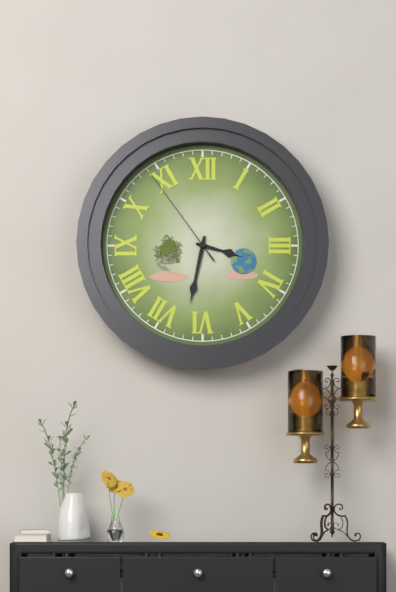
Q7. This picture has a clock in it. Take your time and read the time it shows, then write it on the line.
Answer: 3:32:54
